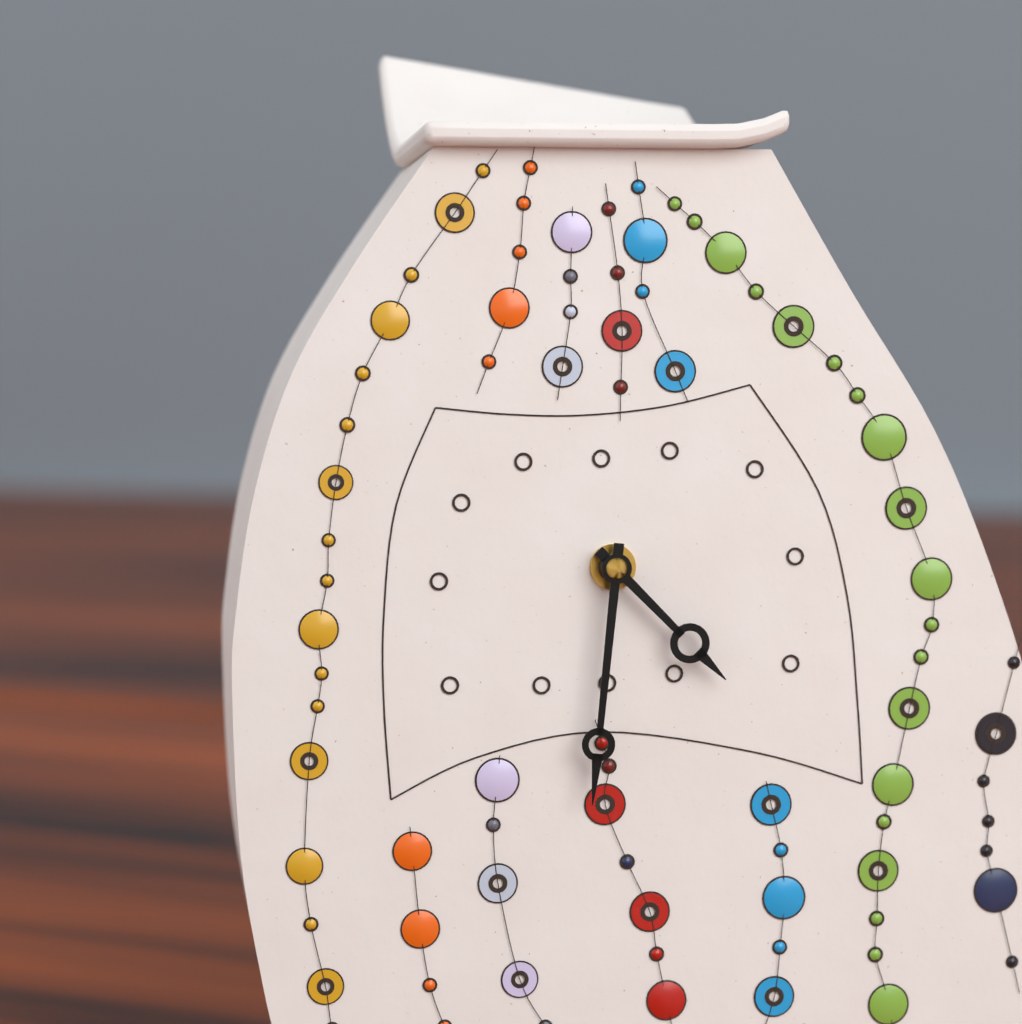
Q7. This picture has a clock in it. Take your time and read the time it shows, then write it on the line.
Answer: 4:31
